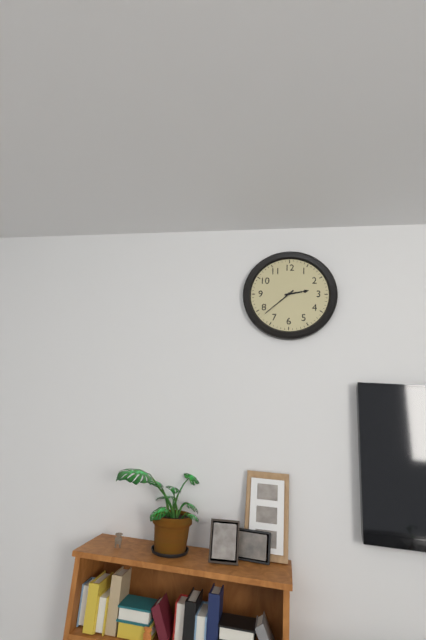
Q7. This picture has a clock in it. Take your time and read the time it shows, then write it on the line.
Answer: 2:38
